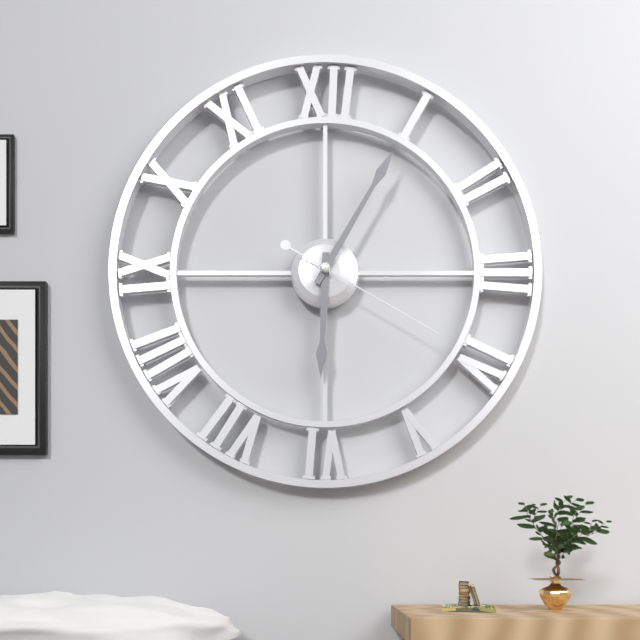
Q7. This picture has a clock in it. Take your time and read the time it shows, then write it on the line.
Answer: 6:05:20
